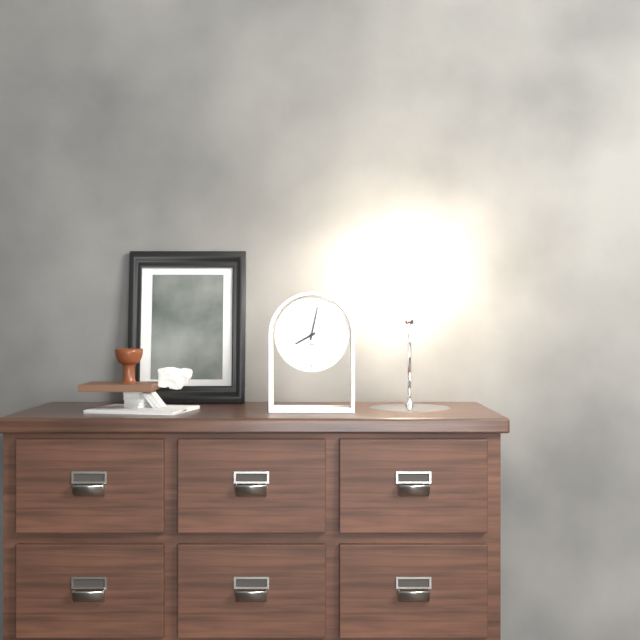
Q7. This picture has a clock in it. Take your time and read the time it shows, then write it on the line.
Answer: 8:02
